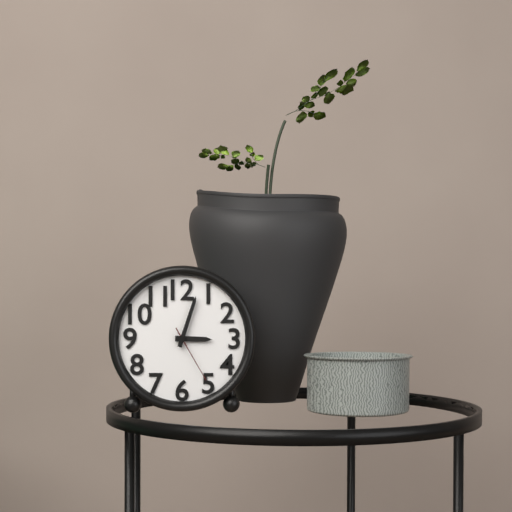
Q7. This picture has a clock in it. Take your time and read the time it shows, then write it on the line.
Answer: 3:03:25
